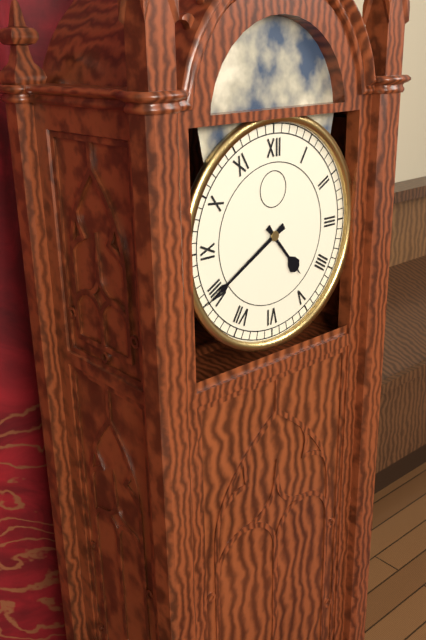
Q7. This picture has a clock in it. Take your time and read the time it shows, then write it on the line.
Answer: 4:40
